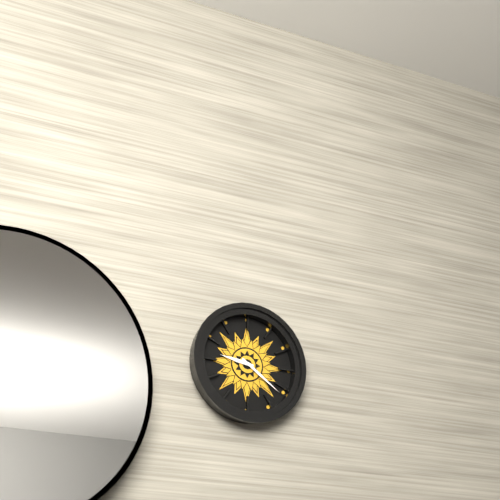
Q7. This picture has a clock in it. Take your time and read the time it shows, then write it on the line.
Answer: 9:21
